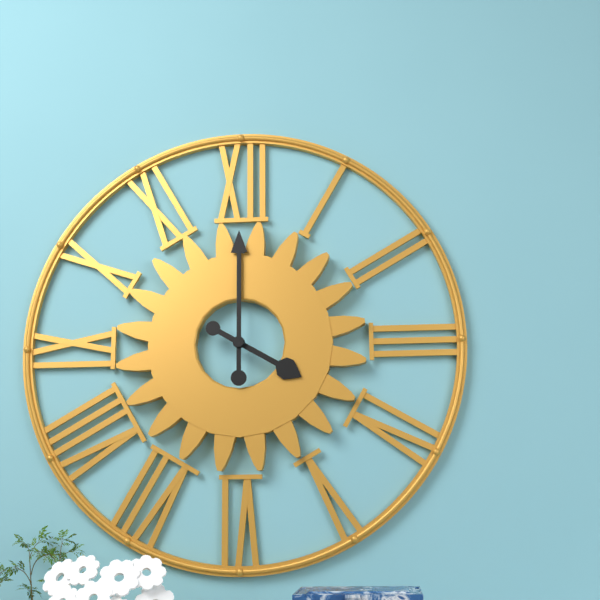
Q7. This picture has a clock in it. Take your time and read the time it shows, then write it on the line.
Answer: 4:00
